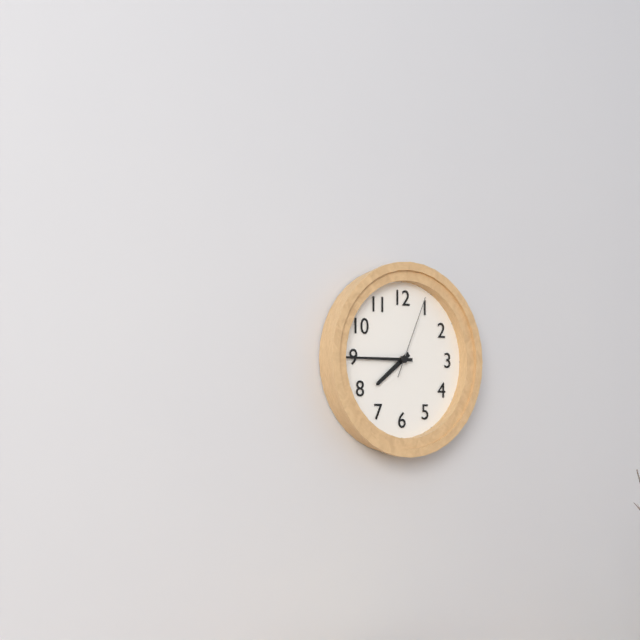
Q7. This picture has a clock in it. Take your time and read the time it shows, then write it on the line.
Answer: 7:45:04
